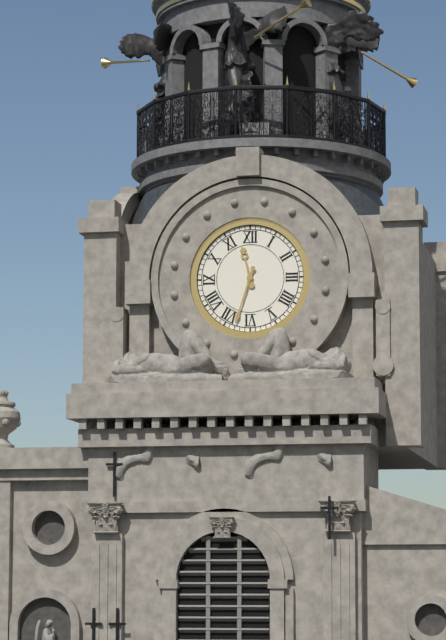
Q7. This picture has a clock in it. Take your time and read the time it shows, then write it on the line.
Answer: 11:33
